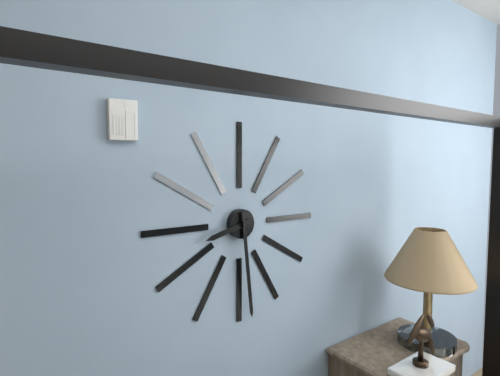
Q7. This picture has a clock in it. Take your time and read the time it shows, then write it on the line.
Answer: 8:29
